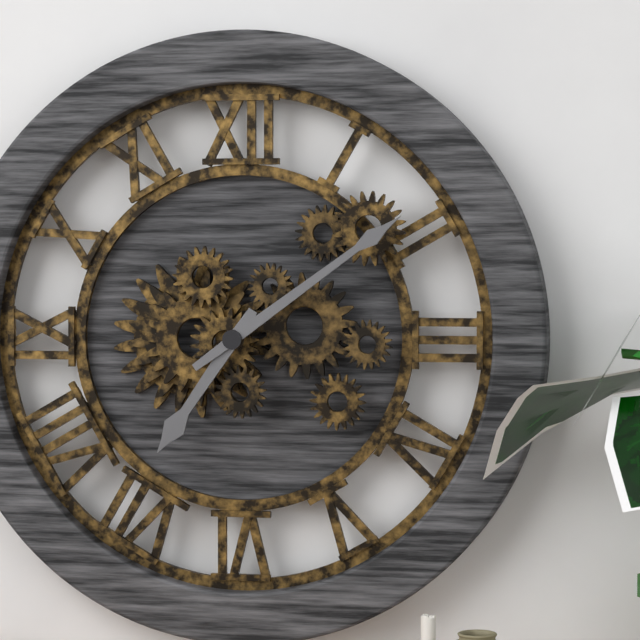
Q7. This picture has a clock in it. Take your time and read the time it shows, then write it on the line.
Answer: 7:09
